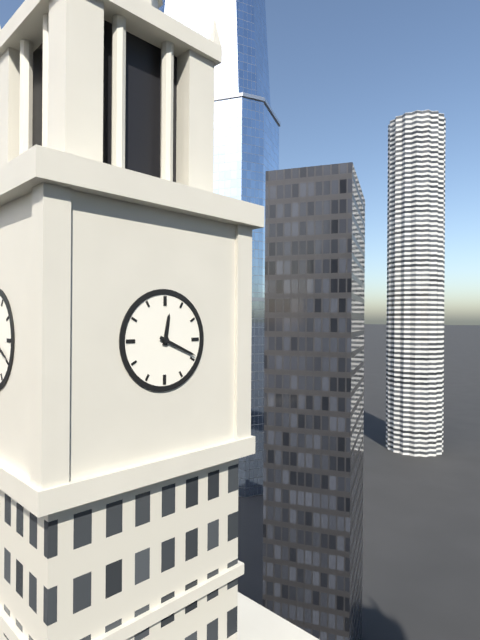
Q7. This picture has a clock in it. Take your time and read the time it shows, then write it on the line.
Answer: 12:19
